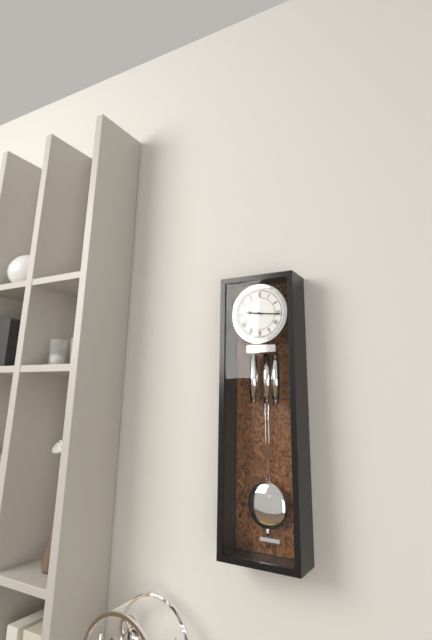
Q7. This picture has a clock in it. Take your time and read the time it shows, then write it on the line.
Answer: 9:16
